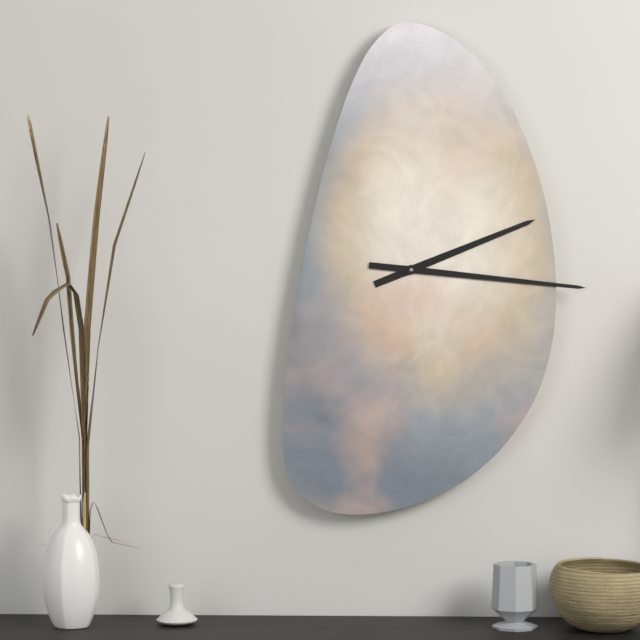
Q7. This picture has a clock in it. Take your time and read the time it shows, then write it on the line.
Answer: 2:16
